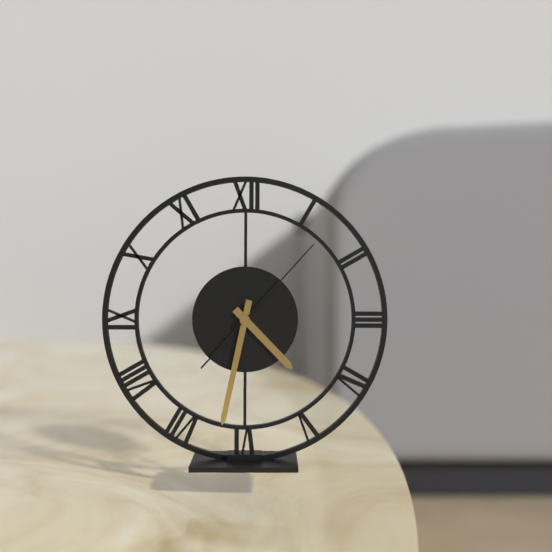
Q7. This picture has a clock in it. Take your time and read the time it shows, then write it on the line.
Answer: 4:32:07
